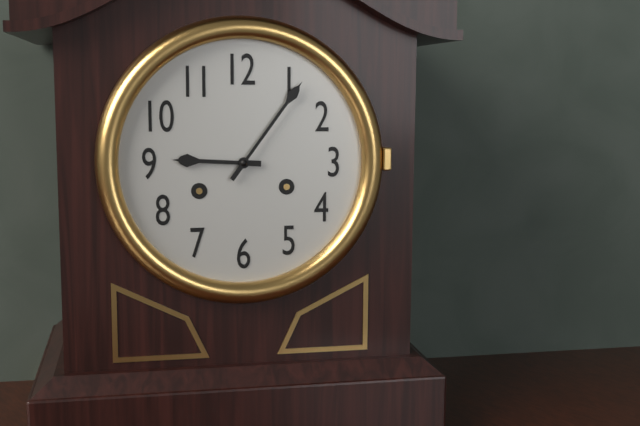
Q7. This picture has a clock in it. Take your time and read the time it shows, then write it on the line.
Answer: 9:06
